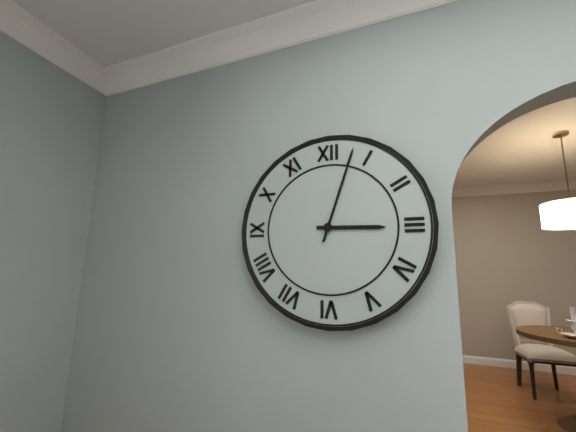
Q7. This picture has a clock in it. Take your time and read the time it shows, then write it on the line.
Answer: 3:03
